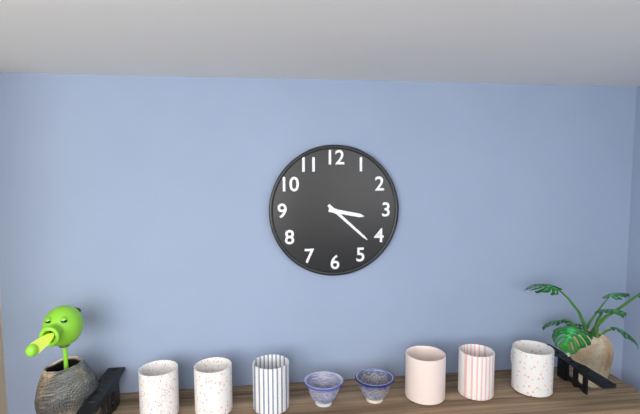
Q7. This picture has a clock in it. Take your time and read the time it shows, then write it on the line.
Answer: 3:22
